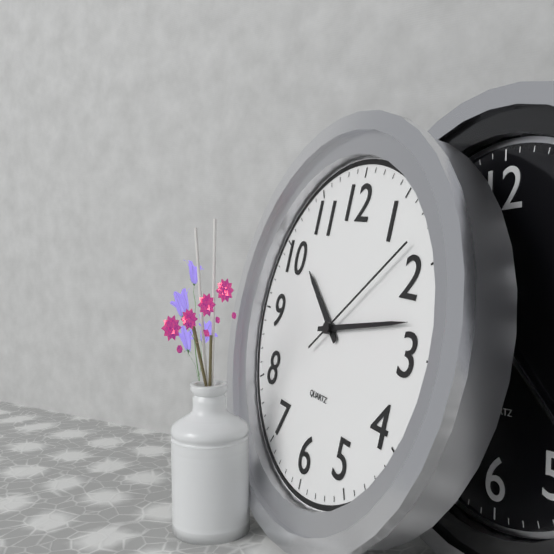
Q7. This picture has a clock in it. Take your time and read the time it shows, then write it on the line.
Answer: 10:13:08
